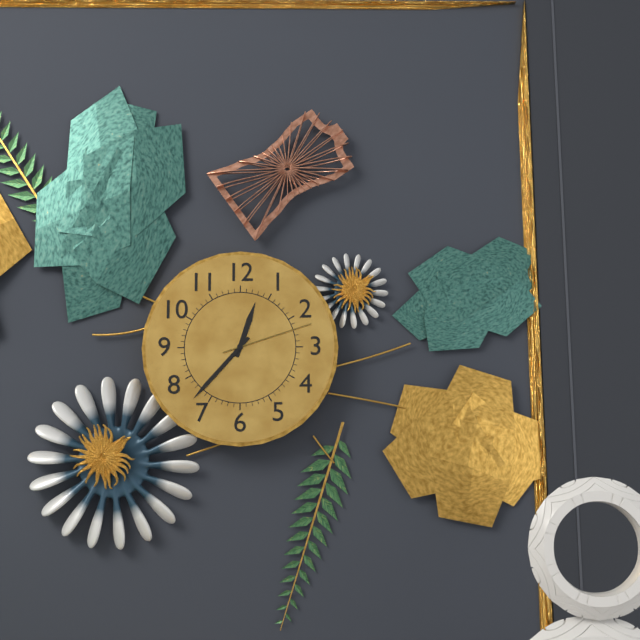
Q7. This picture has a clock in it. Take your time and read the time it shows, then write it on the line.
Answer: 12:37:12
